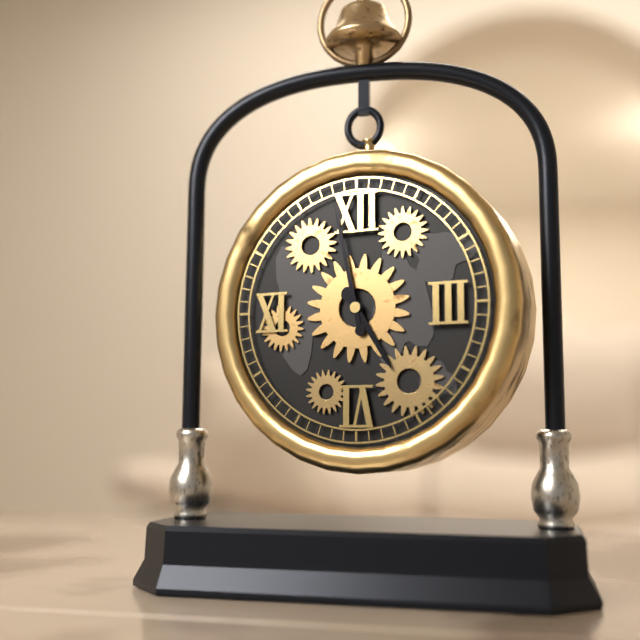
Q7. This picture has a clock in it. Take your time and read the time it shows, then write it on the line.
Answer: 4:58
